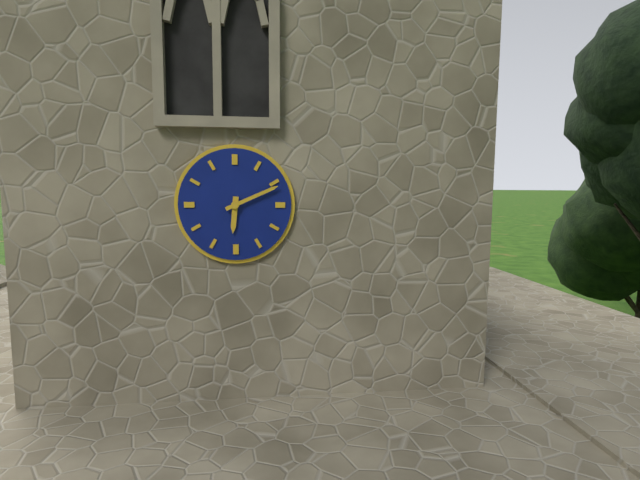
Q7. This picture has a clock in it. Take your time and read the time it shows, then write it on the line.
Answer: 6:11
